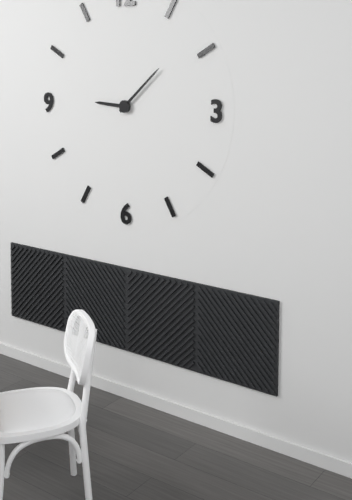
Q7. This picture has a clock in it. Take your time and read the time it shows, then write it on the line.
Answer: 9:08
